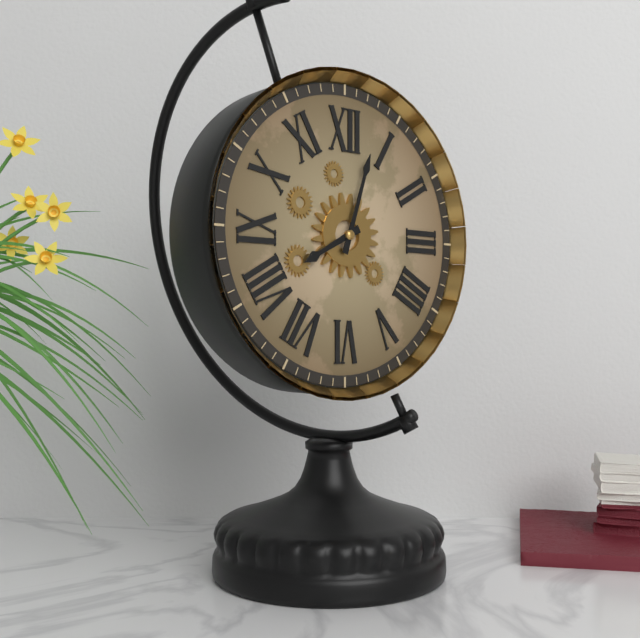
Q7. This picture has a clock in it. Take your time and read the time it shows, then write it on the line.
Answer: 8:03
